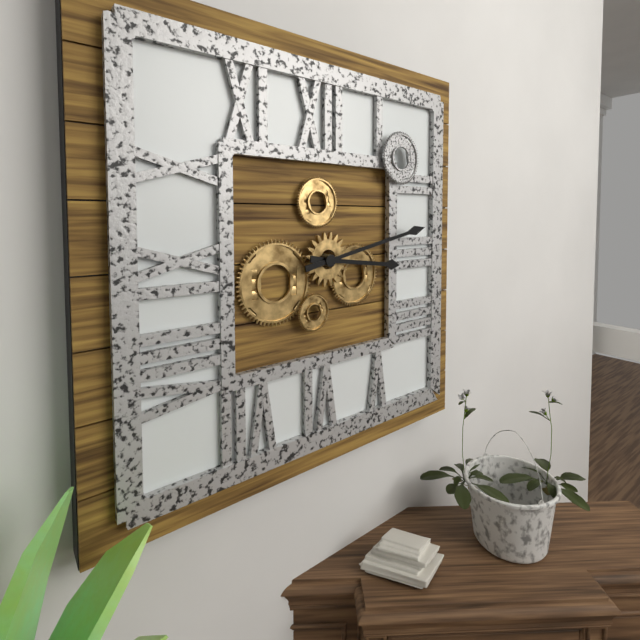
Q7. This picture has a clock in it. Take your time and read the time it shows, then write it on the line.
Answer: 3:13
